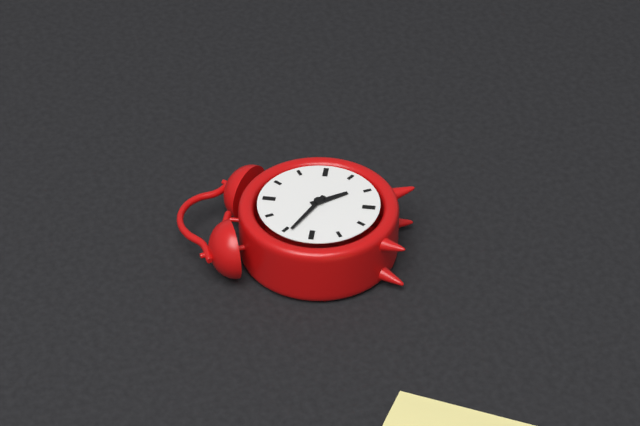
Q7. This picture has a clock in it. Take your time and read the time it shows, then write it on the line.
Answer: 4:49
